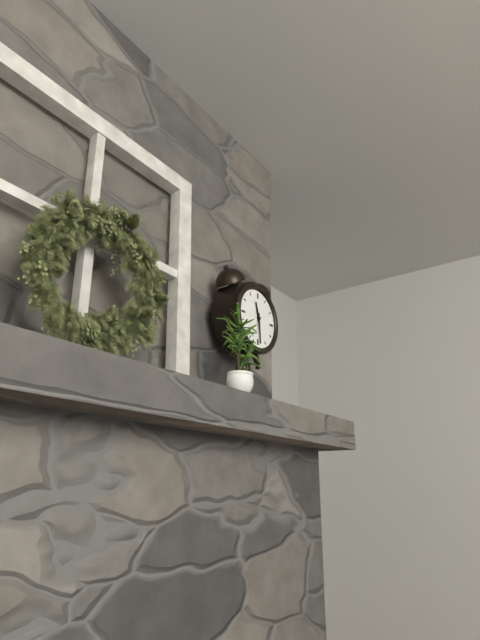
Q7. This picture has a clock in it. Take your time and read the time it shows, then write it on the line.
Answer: 11:29
